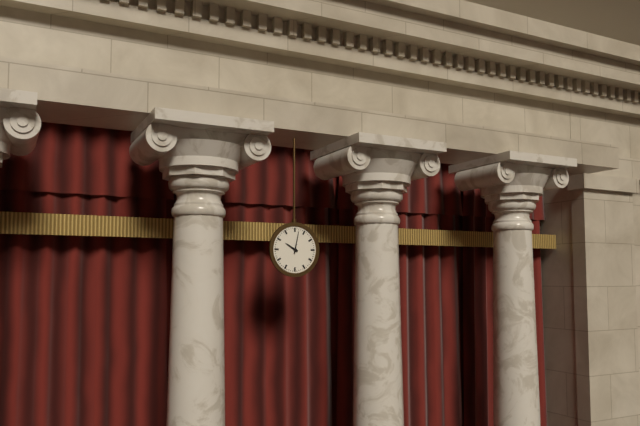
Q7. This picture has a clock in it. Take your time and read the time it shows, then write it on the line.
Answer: 10:02
